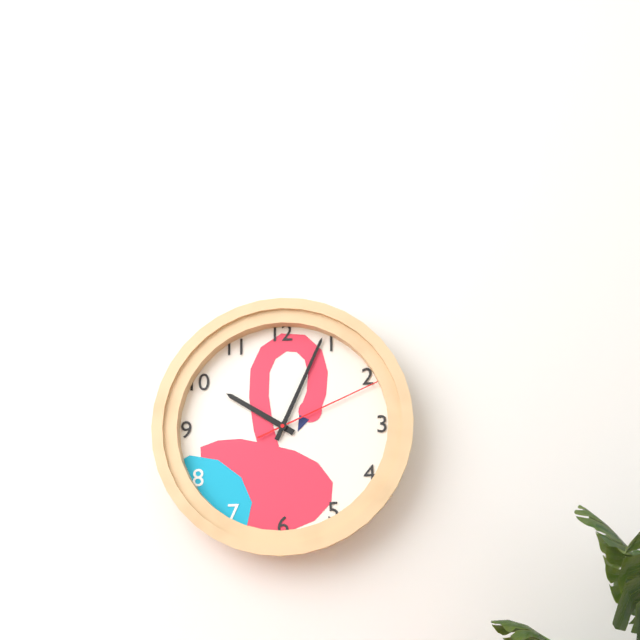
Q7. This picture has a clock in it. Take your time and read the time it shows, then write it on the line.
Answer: 10:04:11
